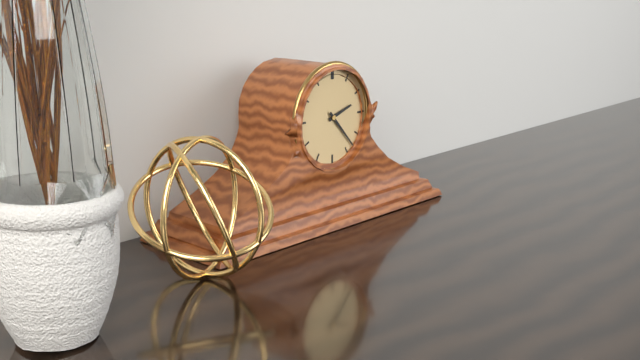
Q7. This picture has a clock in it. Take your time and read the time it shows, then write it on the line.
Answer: 2:23
